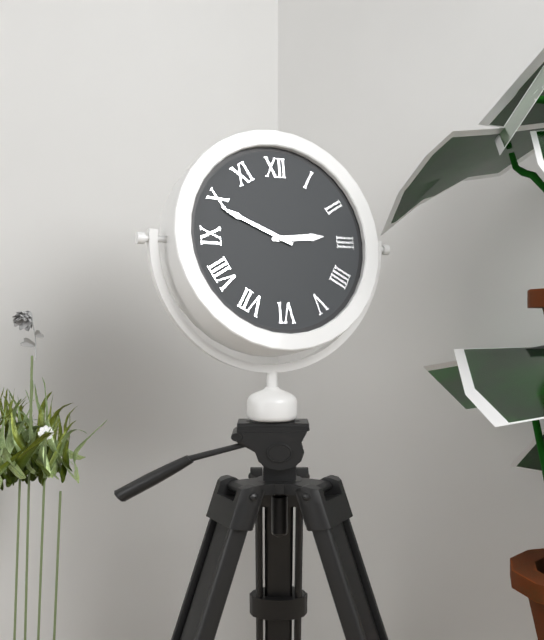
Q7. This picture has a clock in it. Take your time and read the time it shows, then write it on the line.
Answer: 2:49
